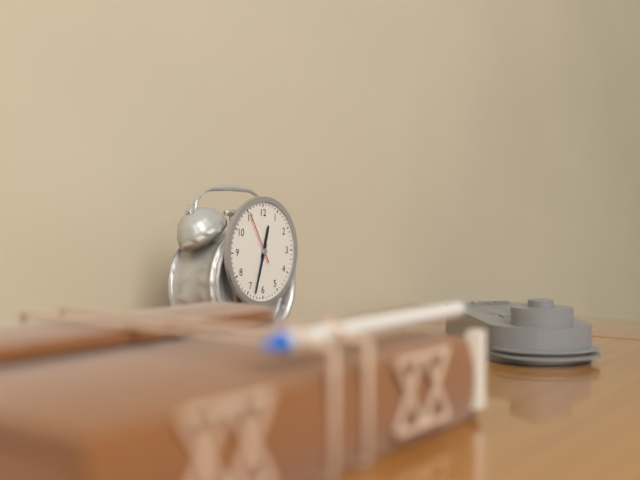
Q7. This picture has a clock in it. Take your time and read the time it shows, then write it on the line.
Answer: 12:33:55
